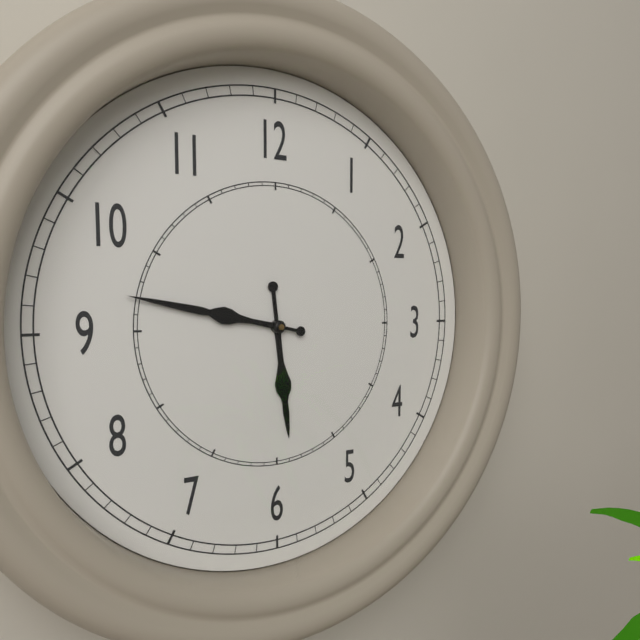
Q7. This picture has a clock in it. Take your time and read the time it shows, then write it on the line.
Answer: 5:47
